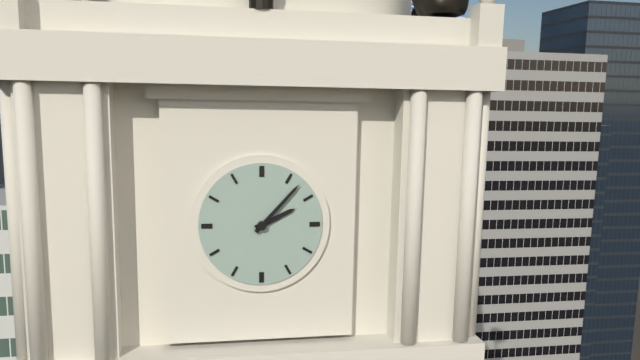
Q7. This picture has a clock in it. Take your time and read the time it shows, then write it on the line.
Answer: 2:07
